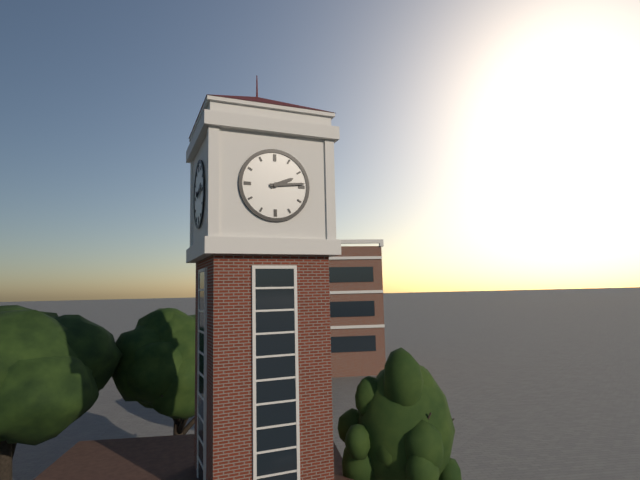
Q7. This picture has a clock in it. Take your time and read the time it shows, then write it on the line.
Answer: 2:14
